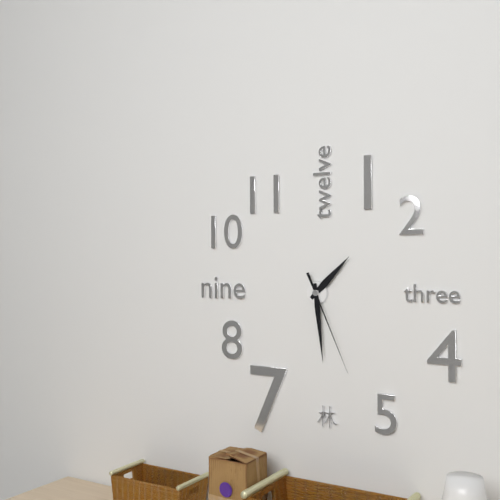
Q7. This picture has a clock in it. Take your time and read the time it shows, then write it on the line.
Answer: 1:29:26
